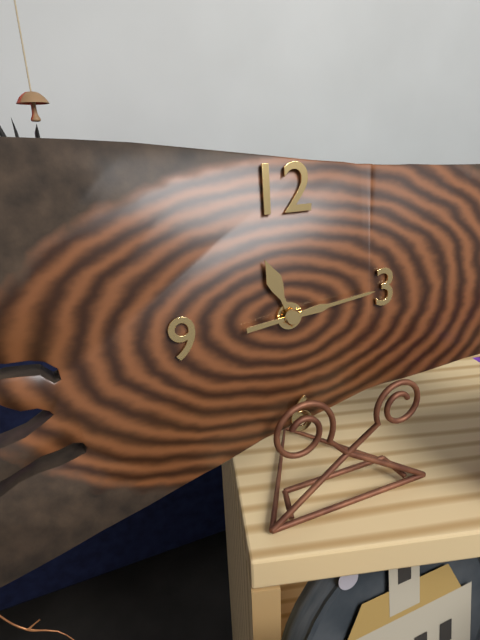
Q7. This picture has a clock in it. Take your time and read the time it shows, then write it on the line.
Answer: 11:14
